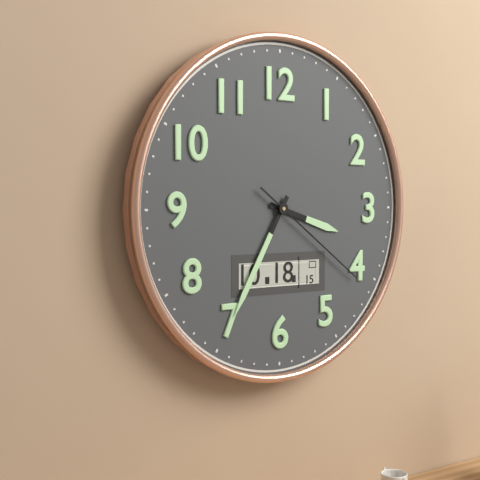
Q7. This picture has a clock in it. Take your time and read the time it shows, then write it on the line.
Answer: 3:35:21
